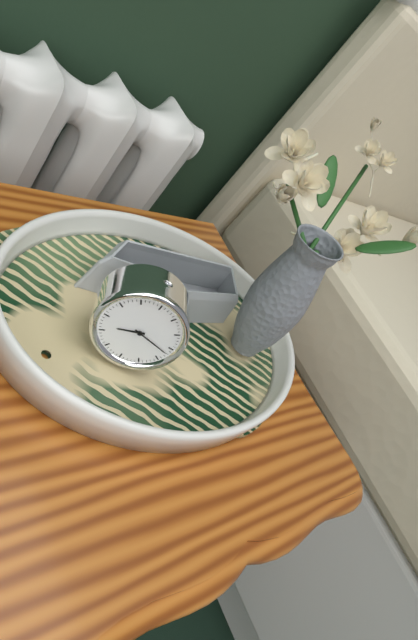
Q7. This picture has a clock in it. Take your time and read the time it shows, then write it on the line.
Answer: 8:17
